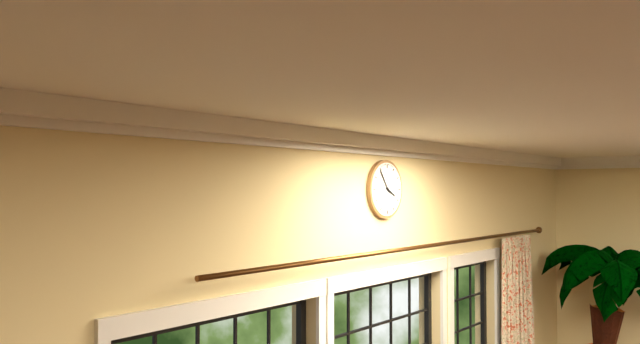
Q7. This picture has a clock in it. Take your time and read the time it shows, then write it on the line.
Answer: 3:54
